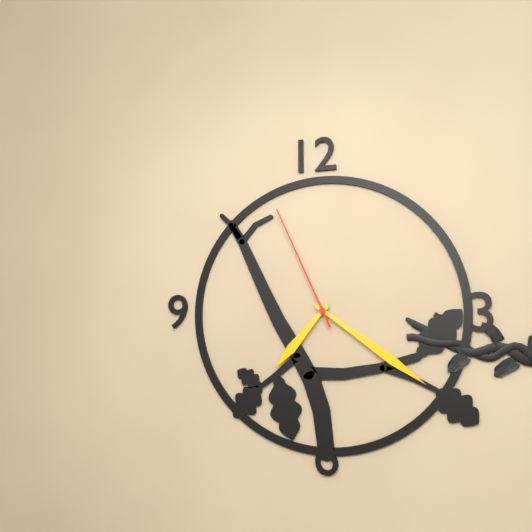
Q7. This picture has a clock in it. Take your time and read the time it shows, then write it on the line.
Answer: 7:21:56
